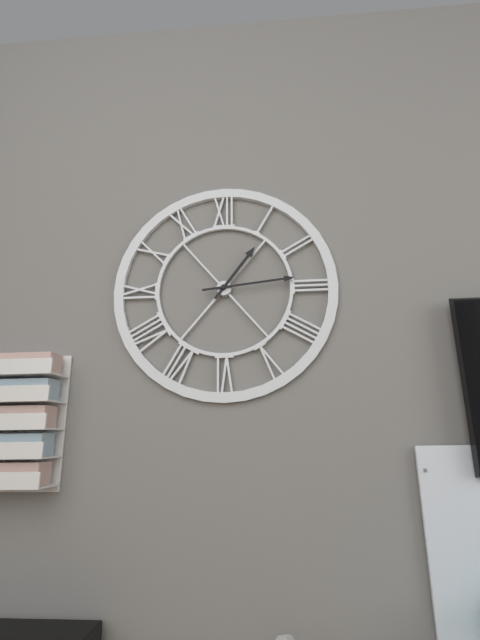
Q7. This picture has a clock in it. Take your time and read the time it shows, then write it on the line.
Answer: 1:14
